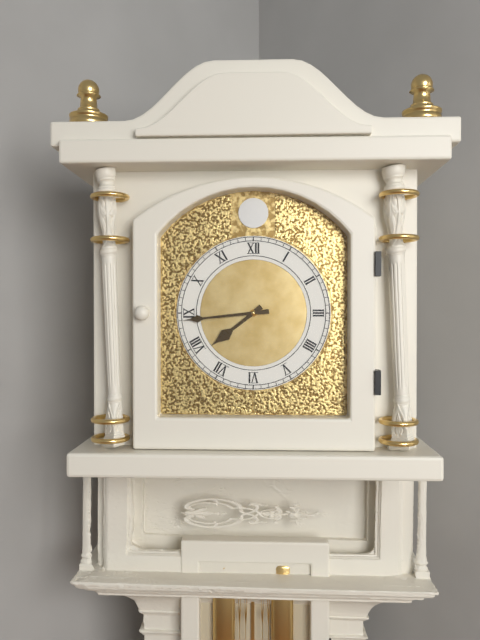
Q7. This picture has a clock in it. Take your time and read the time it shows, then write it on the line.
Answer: 7:44
